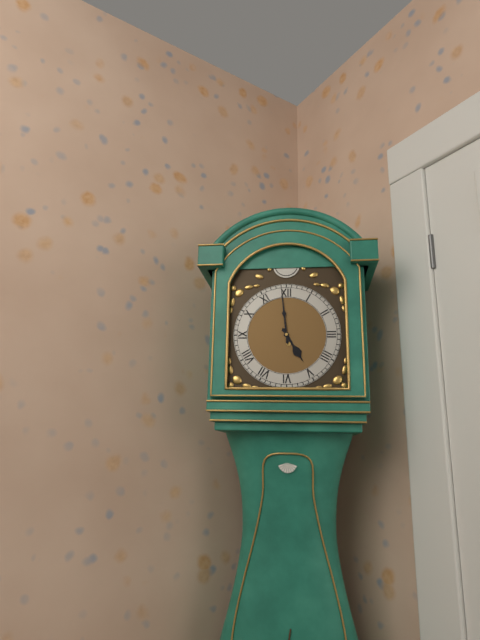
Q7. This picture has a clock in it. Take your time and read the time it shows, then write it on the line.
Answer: 4:59
